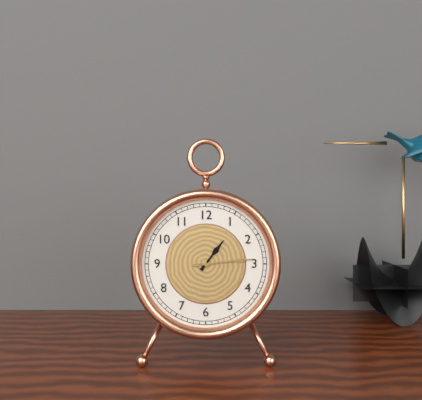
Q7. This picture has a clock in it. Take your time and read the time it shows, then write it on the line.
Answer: 1:14
